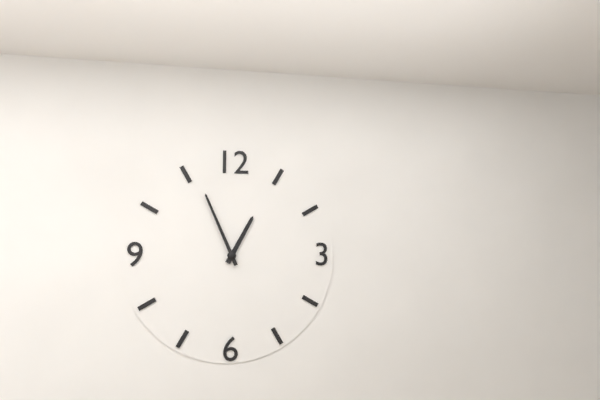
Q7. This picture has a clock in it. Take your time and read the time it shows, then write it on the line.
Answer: 12:56
